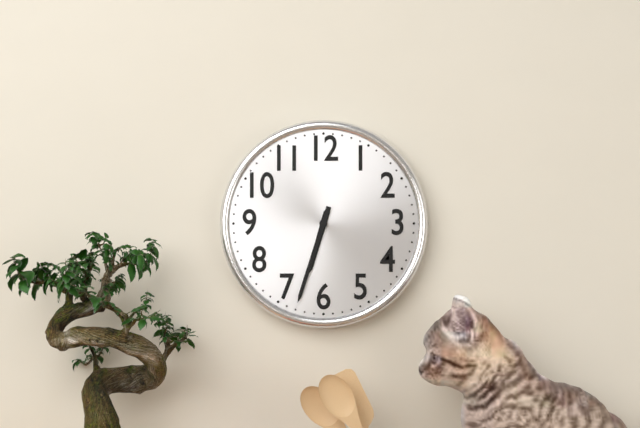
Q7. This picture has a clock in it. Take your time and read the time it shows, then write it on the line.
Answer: 6:33
